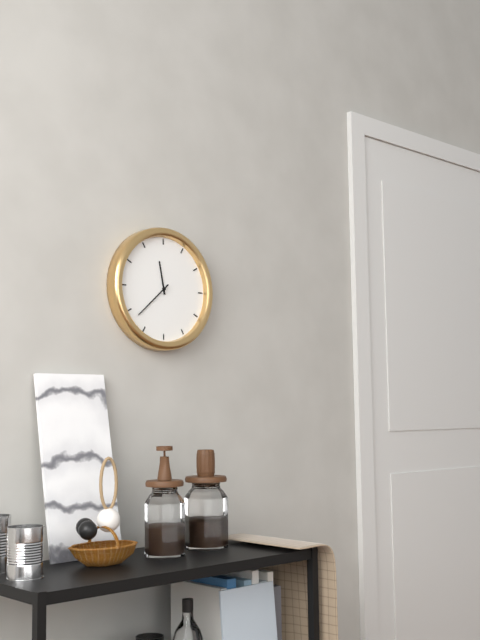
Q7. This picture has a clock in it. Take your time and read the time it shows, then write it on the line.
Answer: 11:38
